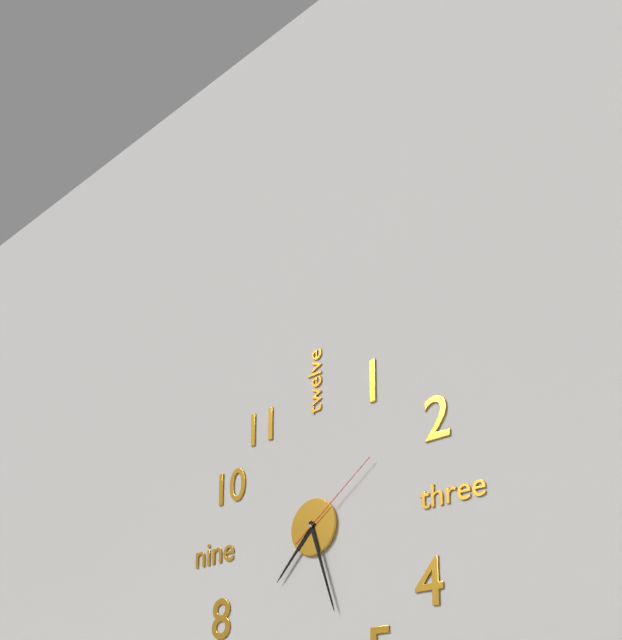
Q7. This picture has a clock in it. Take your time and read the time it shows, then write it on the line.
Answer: 7:27:09
